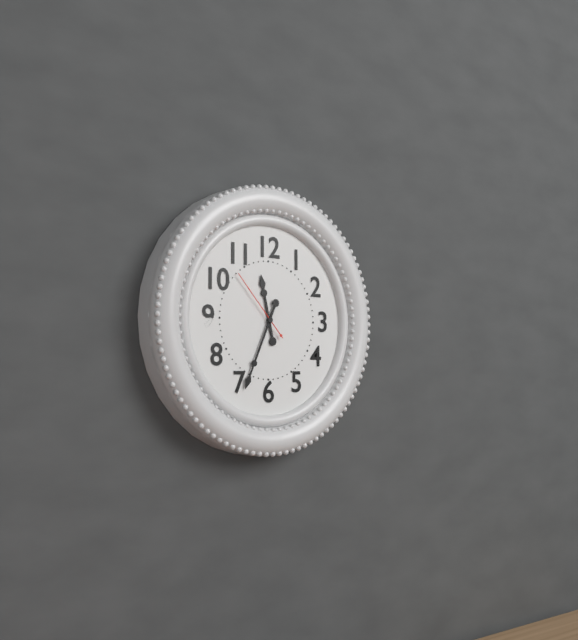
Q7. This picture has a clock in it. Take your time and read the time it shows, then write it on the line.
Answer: 11:34:53
